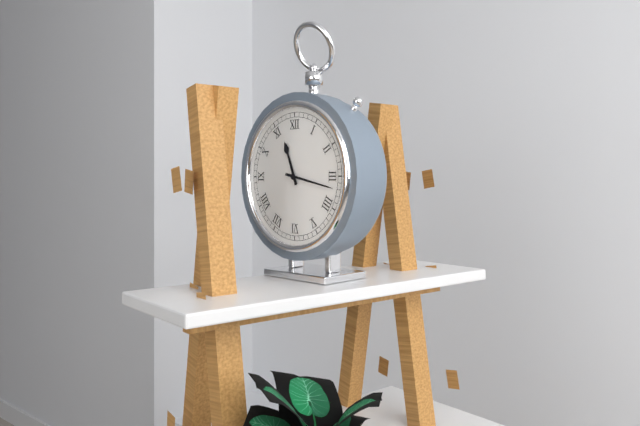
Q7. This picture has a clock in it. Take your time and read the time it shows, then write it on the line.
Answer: 11:17
